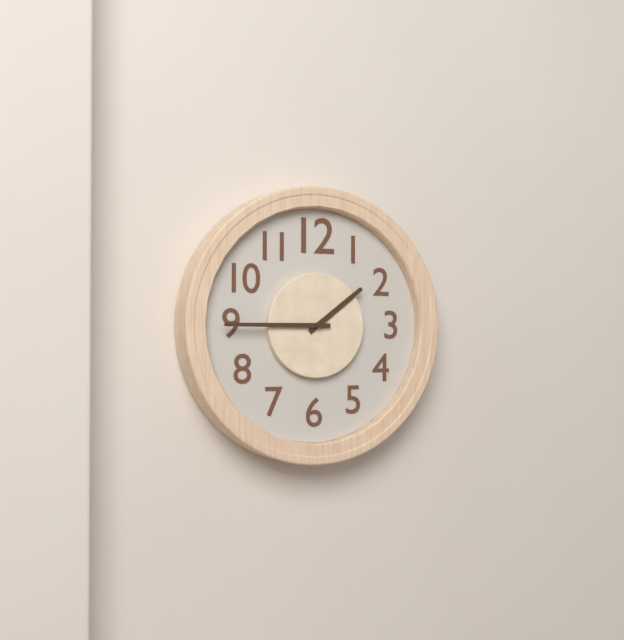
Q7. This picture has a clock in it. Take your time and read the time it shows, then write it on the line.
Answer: 1:45
